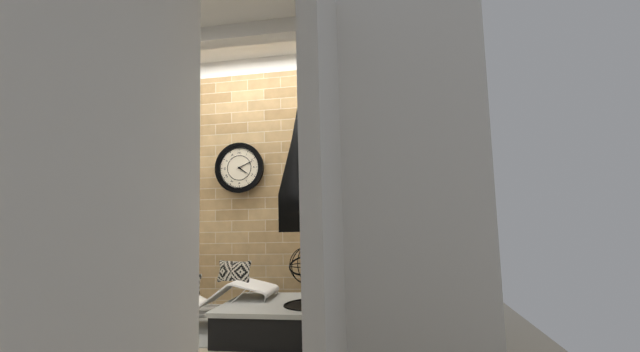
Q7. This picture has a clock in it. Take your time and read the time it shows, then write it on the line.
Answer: 4:11
